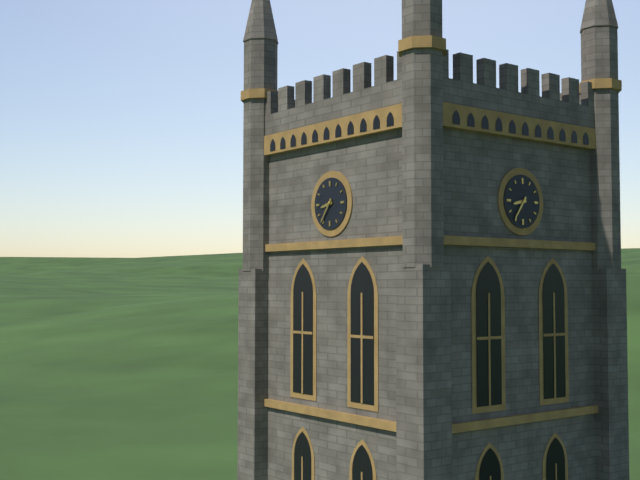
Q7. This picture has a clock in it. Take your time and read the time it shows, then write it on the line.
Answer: 8:36
